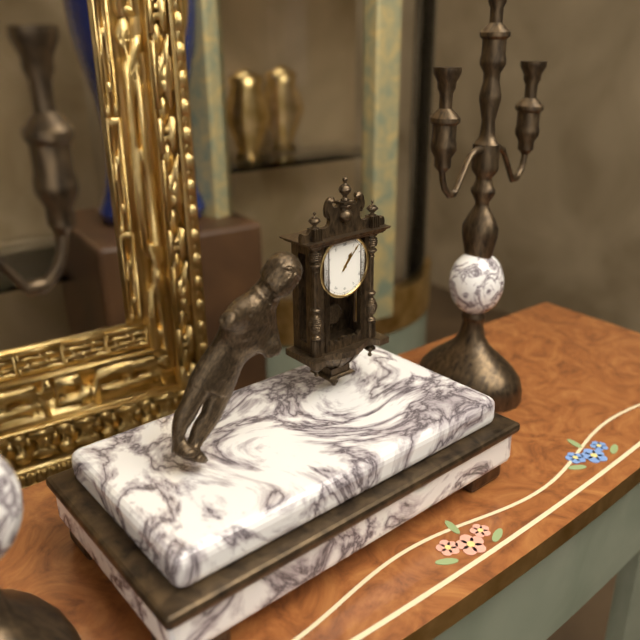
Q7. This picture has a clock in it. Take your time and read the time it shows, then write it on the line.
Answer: 1:07
